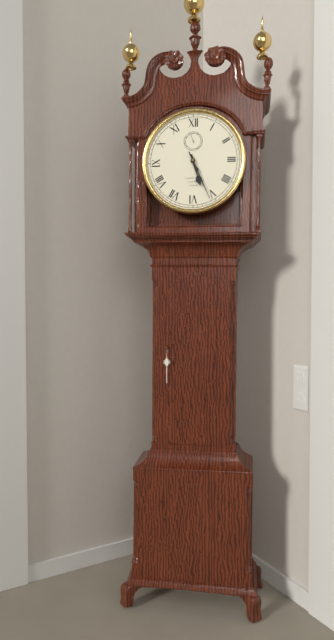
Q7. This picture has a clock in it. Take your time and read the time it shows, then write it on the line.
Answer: 5:26
